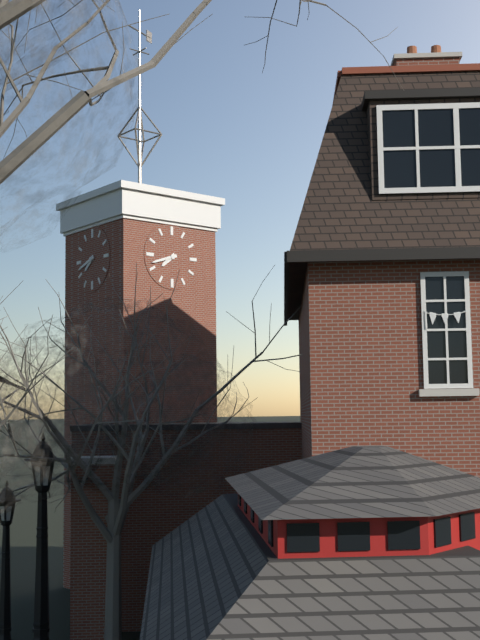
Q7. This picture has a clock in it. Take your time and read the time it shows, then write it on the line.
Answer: 7:42
